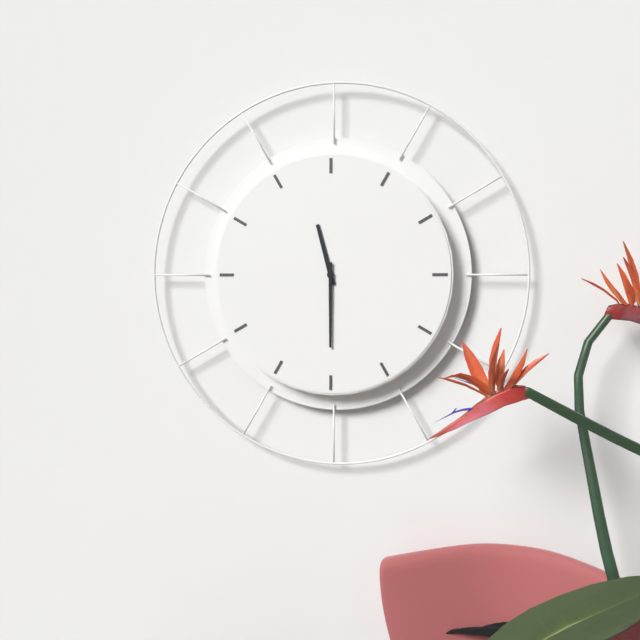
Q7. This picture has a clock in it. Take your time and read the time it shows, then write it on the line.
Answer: 11:30
